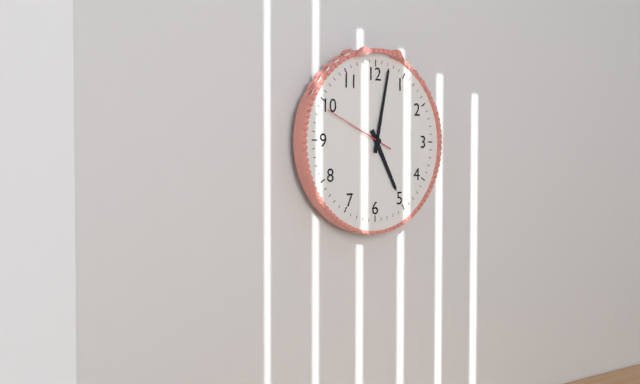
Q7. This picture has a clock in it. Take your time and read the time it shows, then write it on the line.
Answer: 5:02:49
